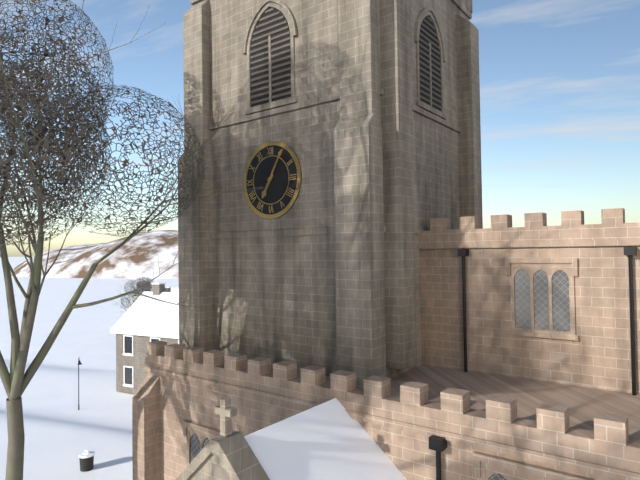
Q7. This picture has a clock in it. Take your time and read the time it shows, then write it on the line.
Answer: 7:05
